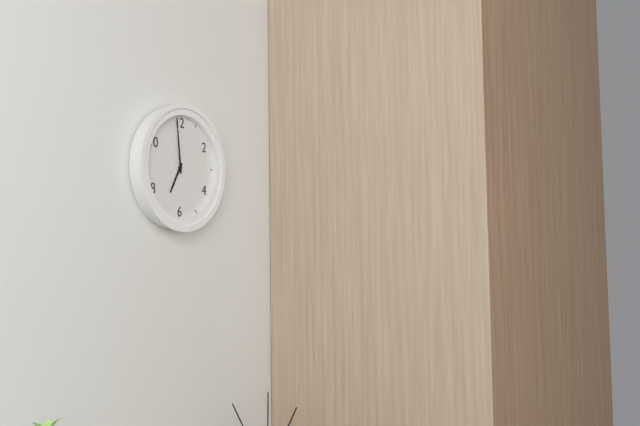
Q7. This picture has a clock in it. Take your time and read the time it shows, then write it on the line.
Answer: 6:59
